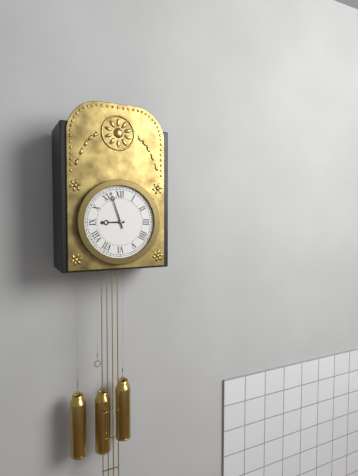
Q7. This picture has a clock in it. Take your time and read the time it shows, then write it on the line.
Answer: 8:57
